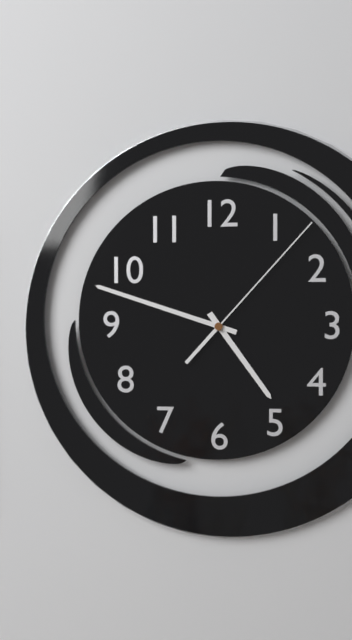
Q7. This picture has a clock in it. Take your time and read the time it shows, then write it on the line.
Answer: 4:48:07
